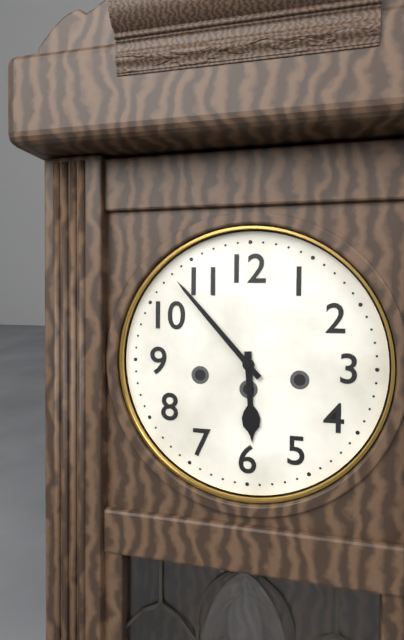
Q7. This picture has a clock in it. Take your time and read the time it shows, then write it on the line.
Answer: 5:53
